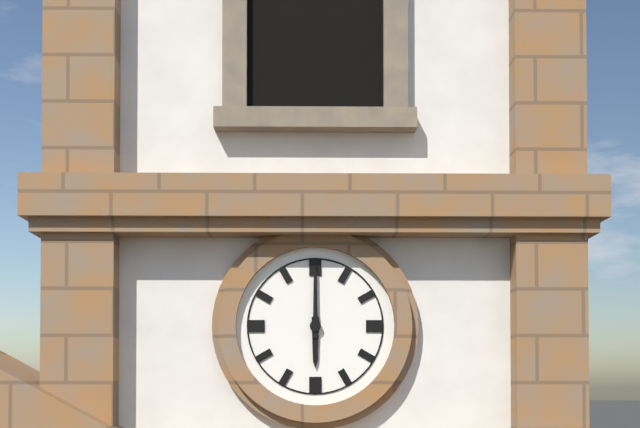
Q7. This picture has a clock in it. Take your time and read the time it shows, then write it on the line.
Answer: 6:00
